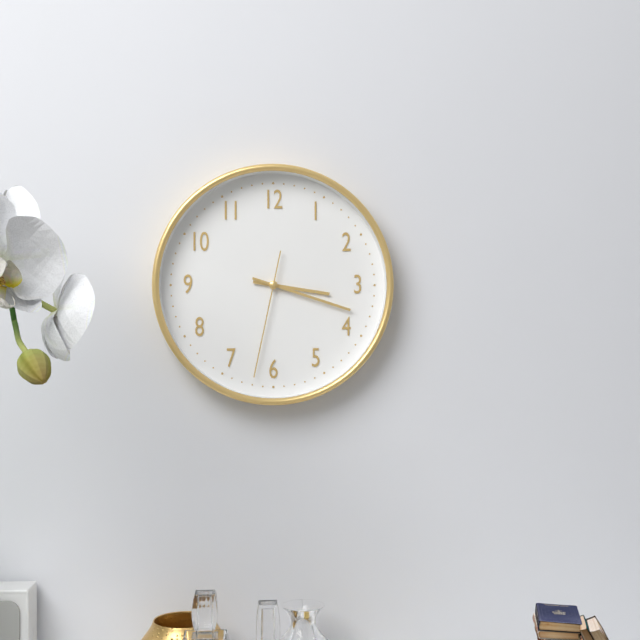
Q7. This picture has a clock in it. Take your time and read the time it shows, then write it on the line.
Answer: 3:18:32
